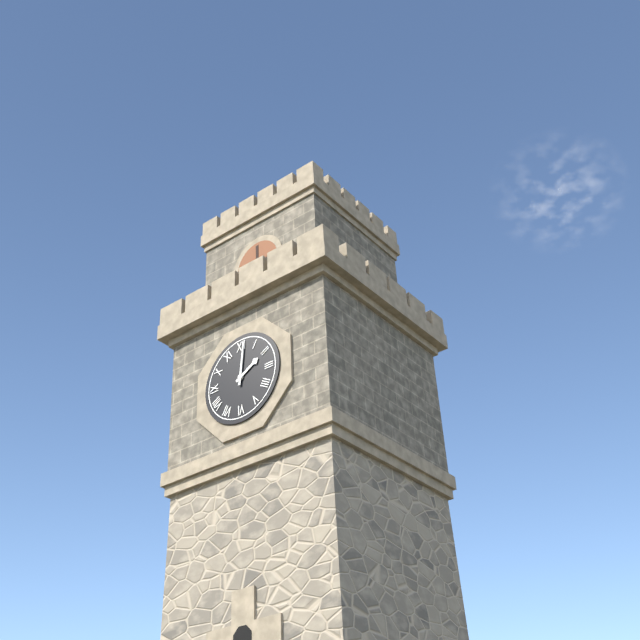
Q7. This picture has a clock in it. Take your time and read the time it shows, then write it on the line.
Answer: 2:01
